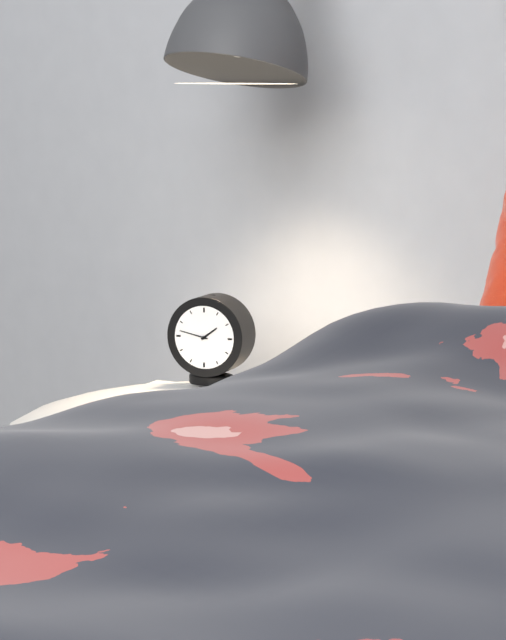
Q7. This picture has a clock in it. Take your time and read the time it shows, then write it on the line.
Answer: 1:47
